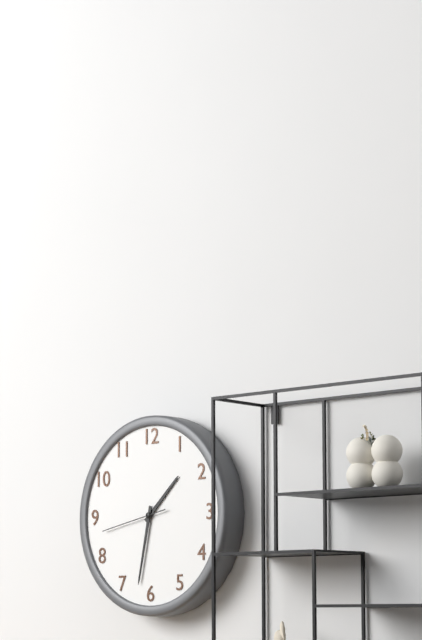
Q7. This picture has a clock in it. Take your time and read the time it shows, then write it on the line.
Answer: 1:32:43
